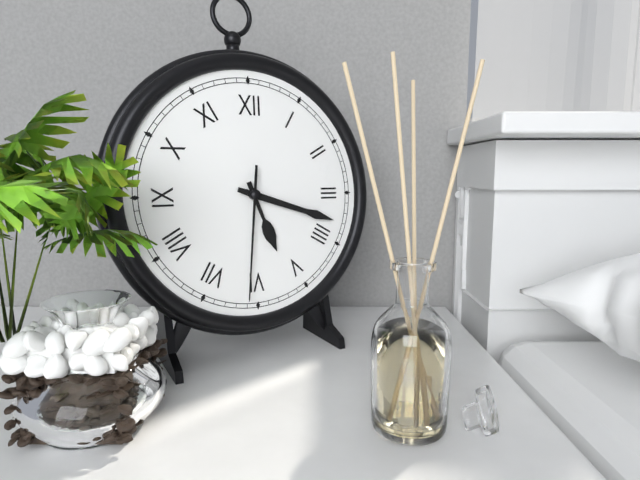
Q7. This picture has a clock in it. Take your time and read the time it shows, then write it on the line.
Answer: 5:18:31
